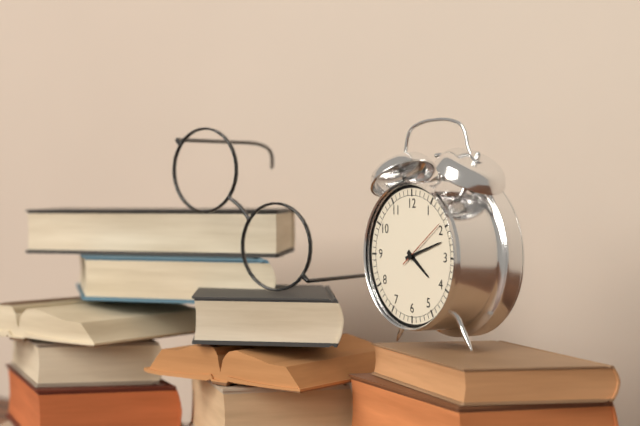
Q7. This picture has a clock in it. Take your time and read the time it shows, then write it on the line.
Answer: 4:12:09
